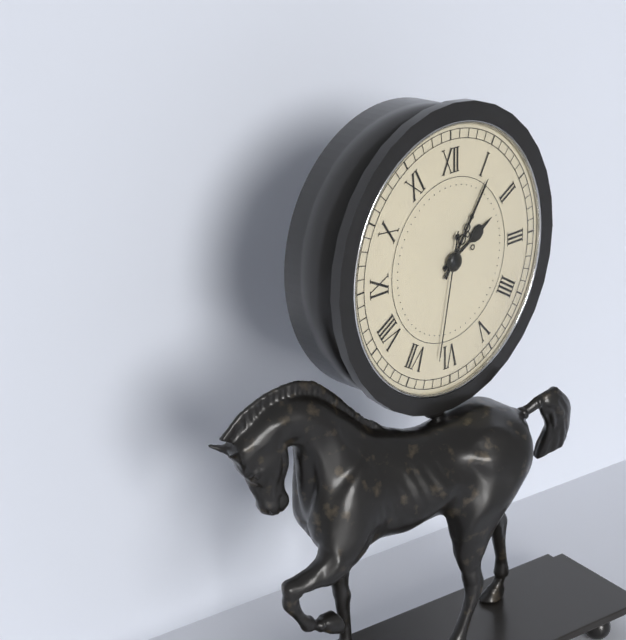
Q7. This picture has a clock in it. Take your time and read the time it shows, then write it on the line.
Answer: 2:06:32
